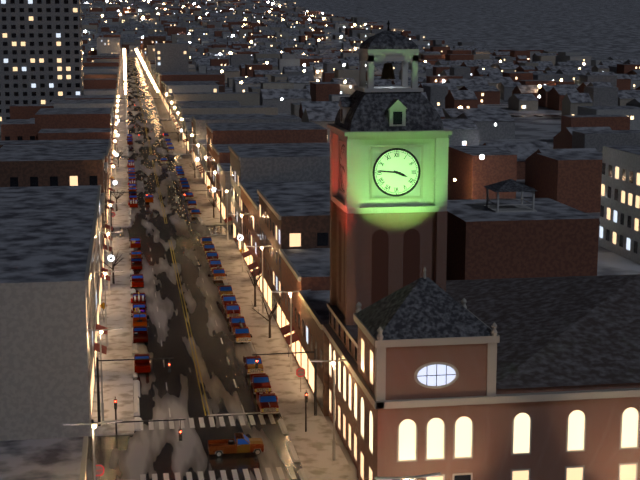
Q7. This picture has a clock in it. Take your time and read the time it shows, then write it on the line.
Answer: 3:46
